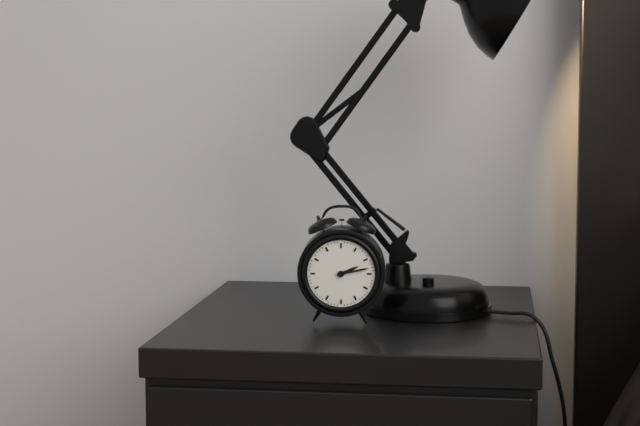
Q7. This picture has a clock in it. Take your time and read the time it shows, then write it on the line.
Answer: 2:13
